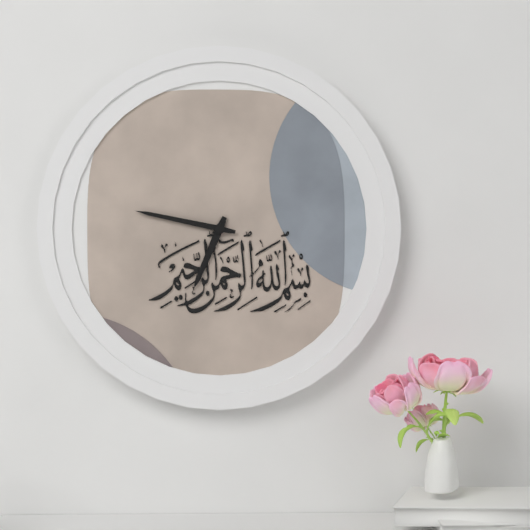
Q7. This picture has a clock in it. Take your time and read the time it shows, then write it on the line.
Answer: 6:47
